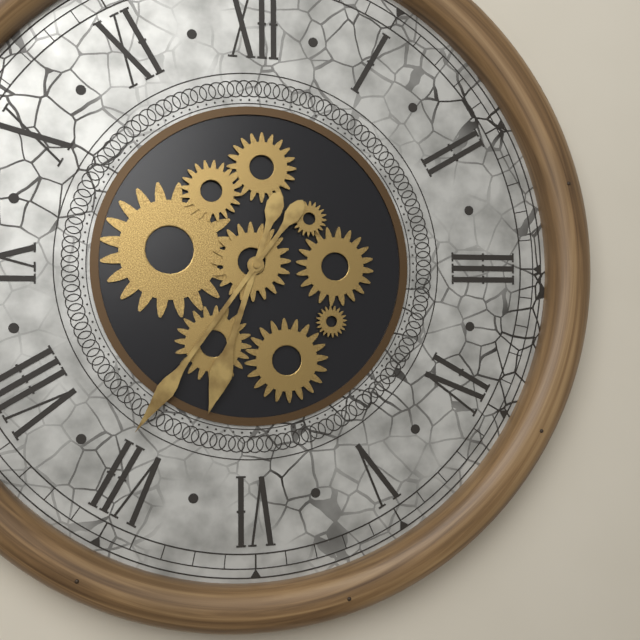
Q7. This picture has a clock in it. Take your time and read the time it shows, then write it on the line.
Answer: 6:36
